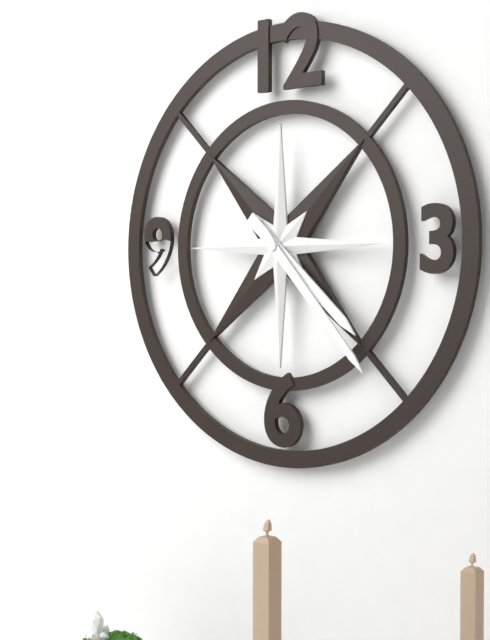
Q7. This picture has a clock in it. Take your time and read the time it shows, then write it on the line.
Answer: 4:23
